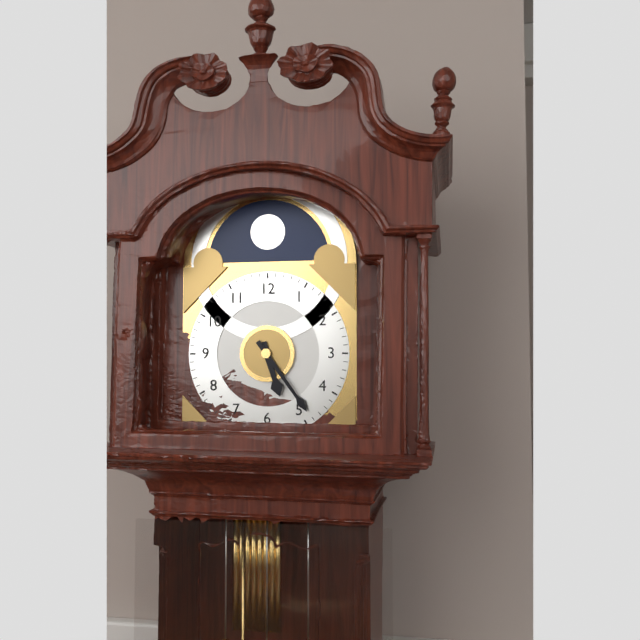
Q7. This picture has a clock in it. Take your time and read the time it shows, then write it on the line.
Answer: 5:24
